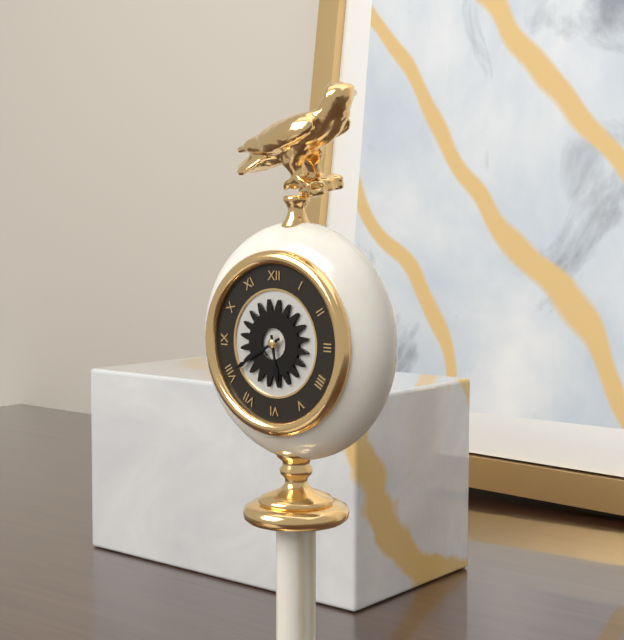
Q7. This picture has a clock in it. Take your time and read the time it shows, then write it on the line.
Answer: 5:40
